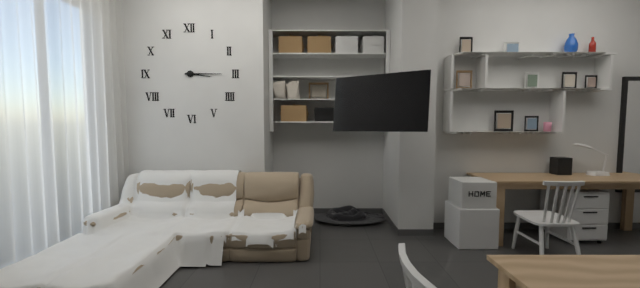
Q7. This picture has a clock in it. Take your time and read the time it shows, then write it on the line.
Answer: 3:15
